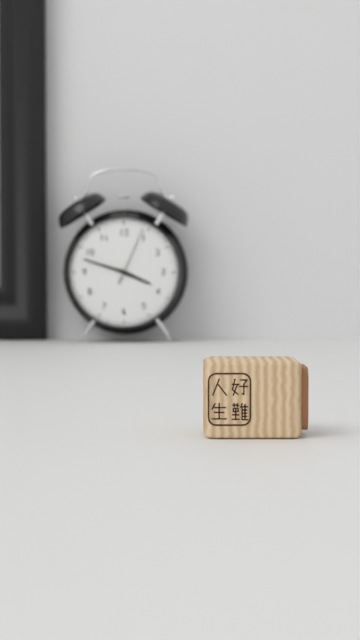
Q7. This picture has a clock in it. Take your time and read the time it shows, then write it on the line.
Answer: 3:48:04
